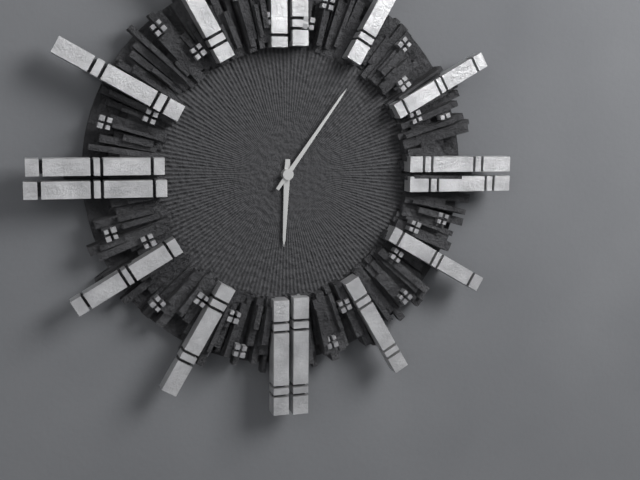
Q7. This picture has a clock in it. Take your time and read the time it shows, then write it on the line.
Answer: 6:06
